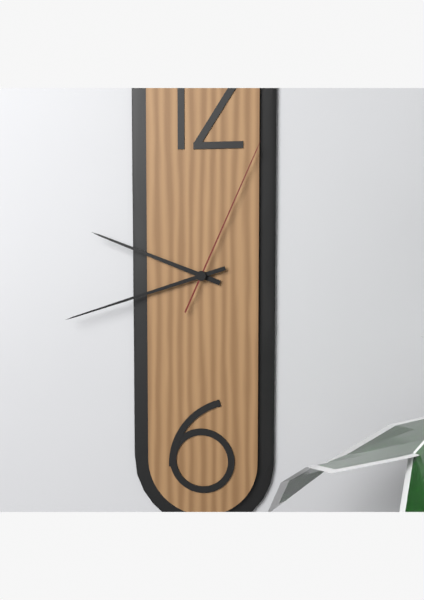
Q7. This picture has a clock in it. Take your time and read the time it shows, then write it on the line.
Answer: 9:42:04
